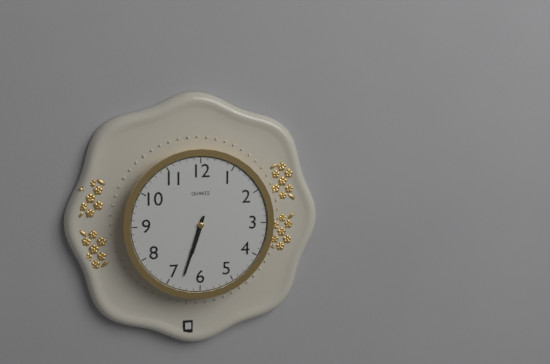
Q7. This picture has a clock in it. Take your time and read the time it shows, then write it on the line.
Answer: 6:33
